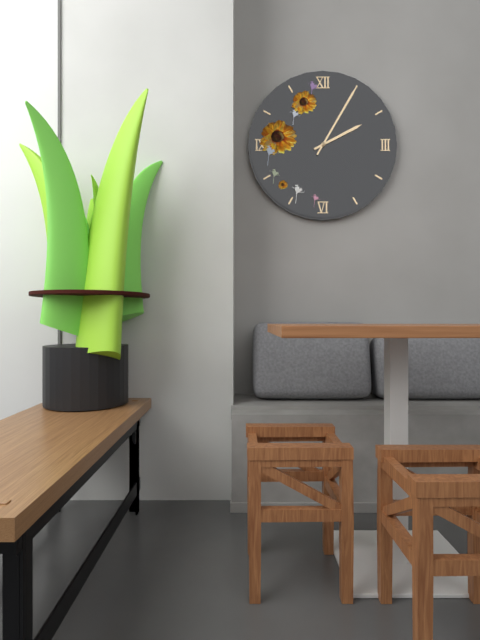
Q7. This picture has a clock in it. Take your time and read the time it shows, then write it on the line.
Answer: 2:05
